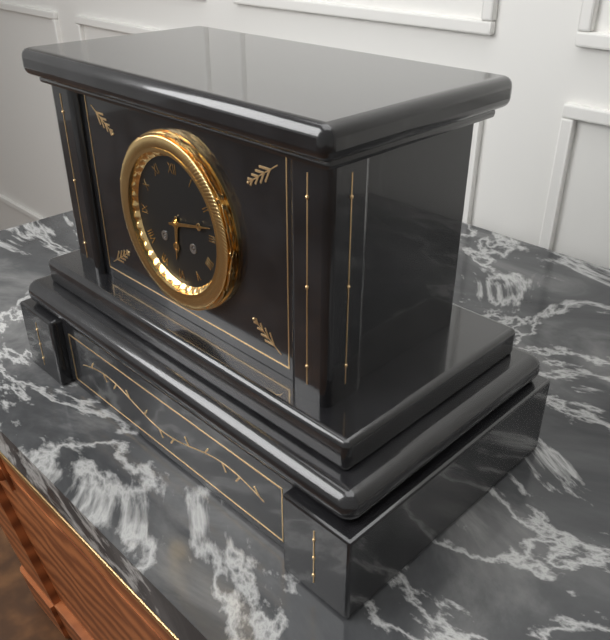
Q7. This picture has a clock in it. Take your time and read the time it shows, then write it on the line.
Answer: 6:13
